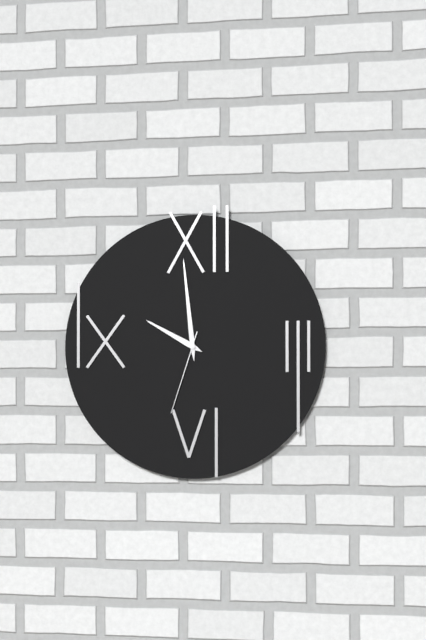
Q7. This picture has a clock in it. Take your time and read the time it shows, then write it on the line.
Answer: 9:59:33
